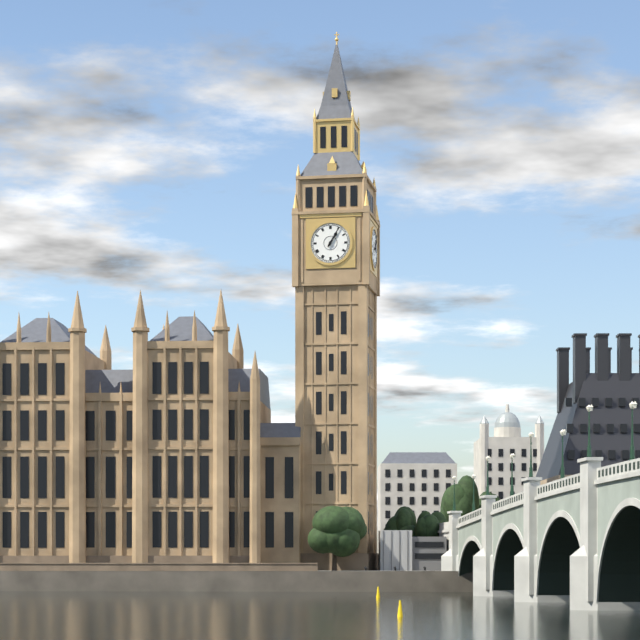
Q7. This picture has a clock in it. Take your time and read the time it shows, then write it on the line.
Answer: 1:05
